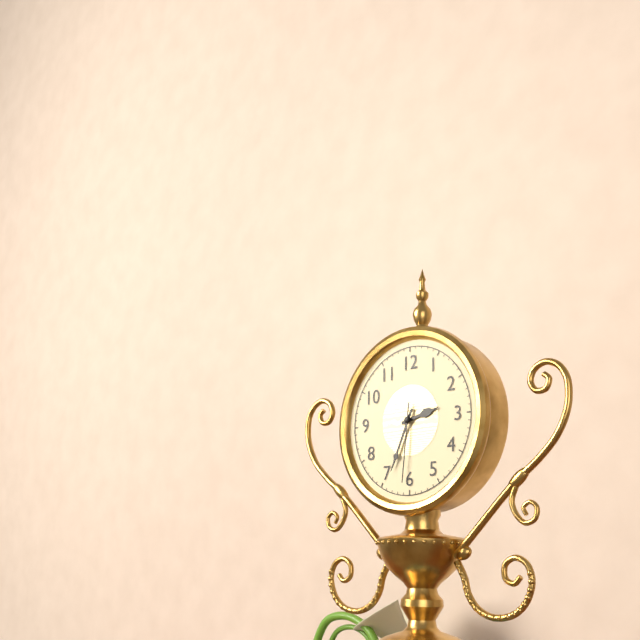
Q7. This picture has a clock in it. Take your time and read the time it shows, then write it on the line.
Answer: 2:34:31
